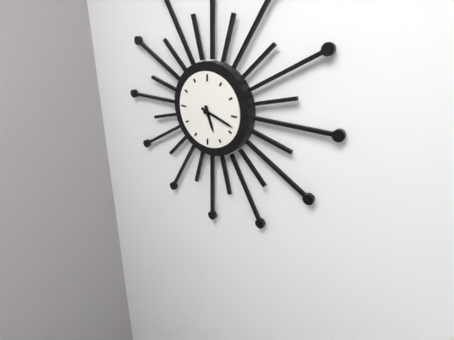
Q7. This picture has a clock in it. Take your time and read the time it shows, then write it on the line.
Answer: 5:18
